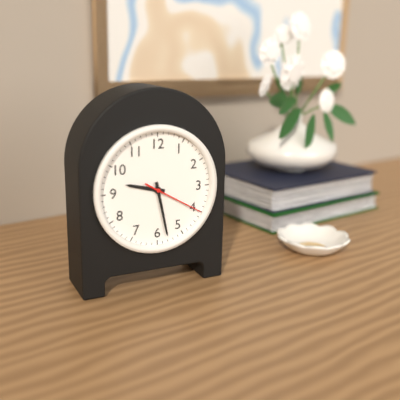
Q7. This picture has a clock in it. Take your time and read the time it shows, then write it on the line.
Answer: 9:28:20
